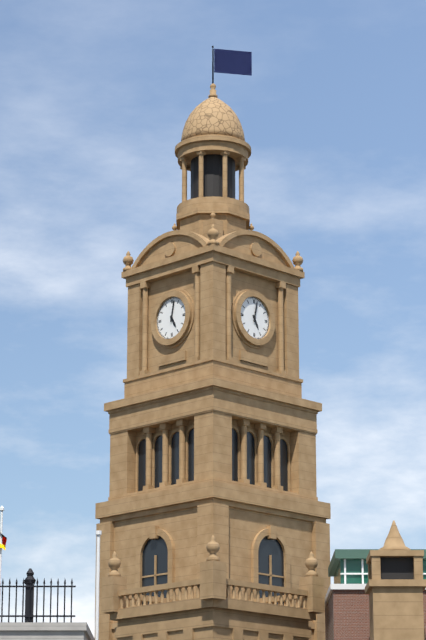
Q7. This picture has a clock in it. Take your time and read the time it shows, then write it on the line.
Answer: 5:02
